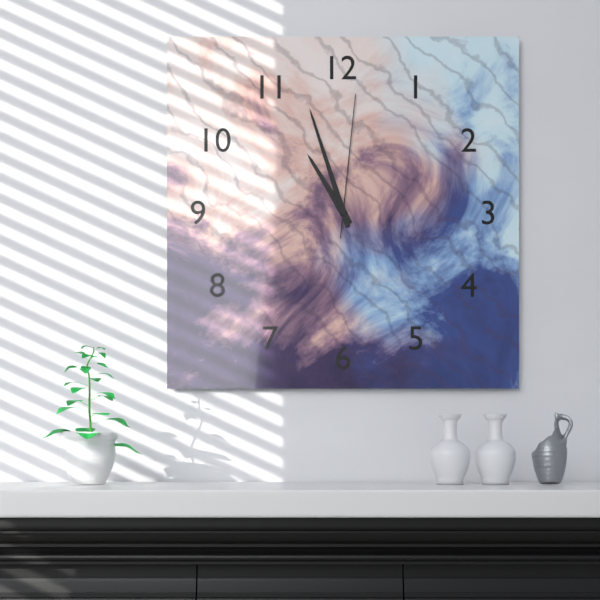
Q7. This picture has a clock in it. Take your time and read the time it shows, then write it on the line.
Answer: 10:57:01
